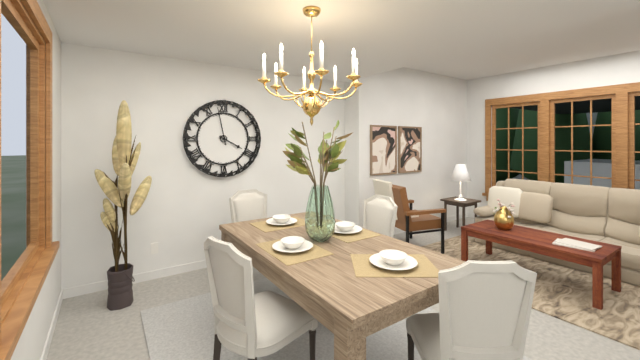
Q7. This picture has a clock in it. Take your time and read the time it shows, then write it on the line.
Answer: 3:58
